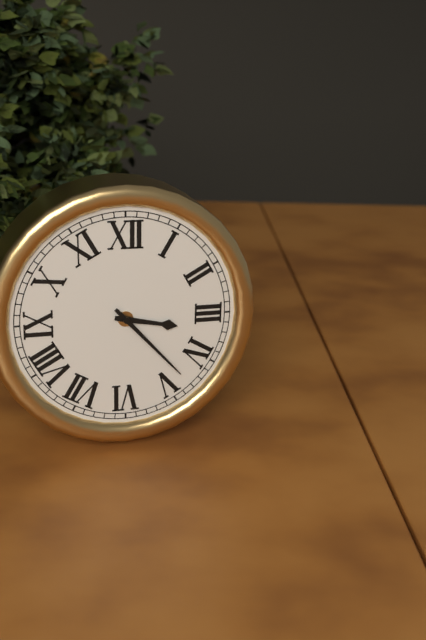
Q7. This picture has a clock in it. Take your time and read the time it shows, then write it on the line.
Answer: 3:23
